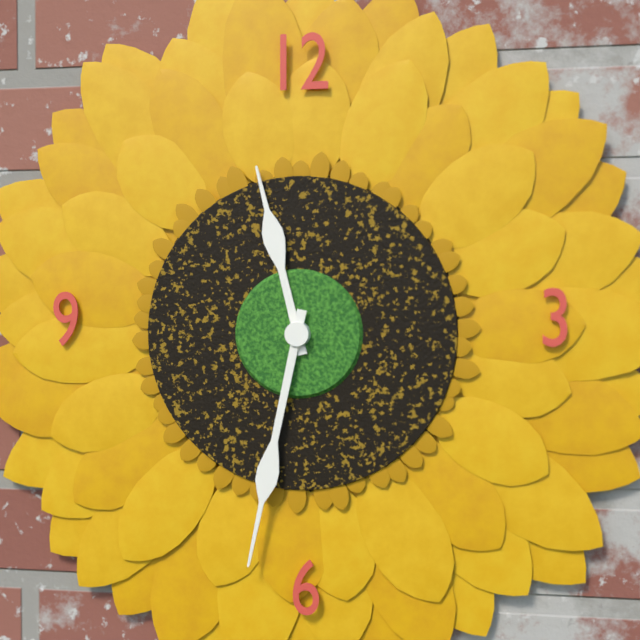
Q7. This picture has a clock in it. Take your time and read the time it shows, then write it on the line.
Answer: 11:32
